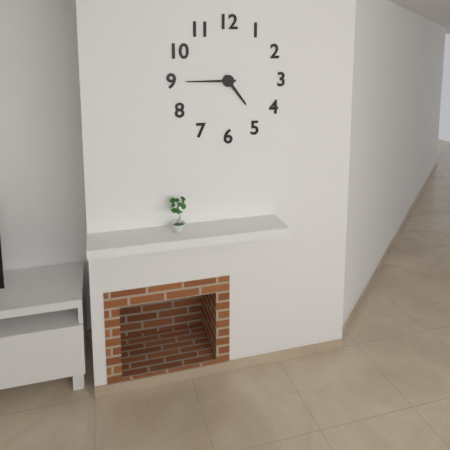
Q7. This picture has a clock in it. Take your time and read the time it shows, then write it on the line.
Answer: 4:45
